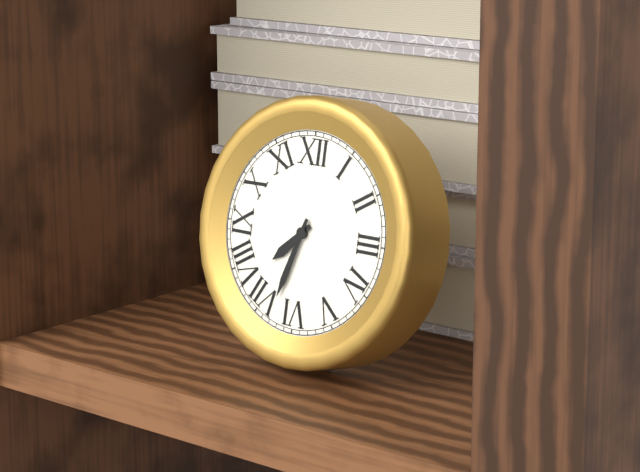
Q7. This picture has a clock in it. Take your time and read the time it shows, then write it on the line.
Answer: 7:33
